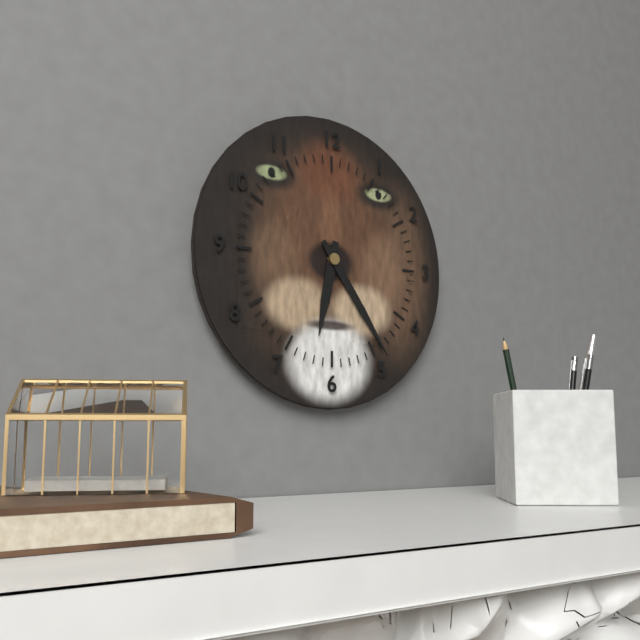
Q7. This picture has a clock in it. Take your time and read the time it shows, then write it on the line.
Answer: 6:24
